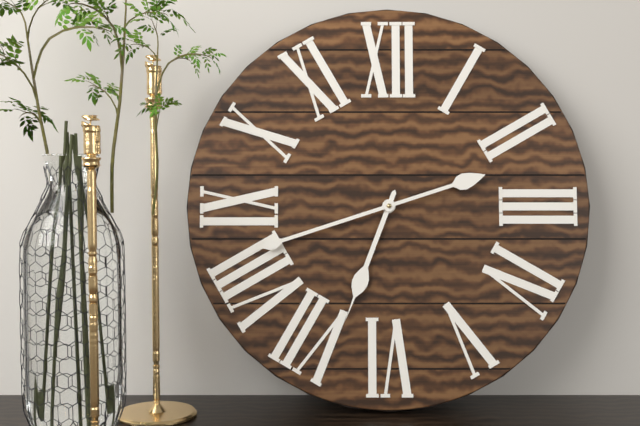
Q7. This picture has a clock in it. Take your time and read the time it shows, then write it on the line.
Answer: 6:42
